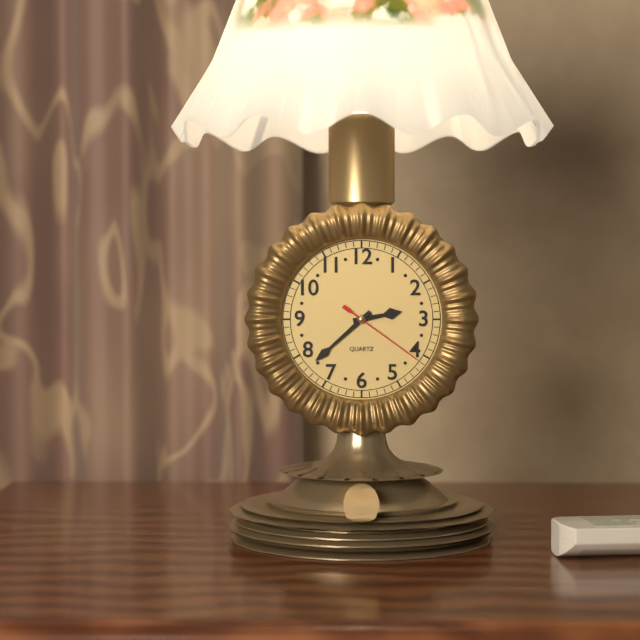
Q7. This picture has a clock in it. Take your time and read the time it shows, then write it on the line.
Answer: 2:38:21
